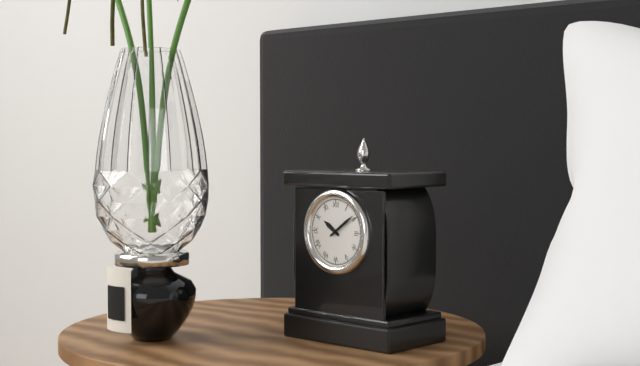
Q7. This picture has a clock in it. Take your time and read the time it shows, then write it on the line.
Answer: 10:09
